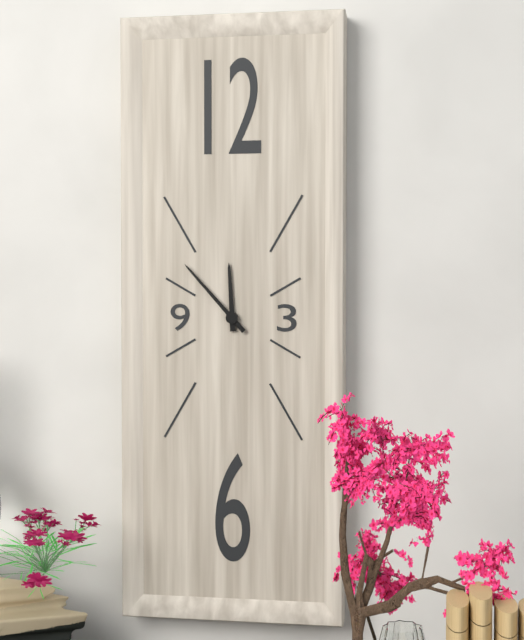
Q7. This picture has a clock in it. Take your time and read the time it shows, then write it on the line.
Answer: 11:53
